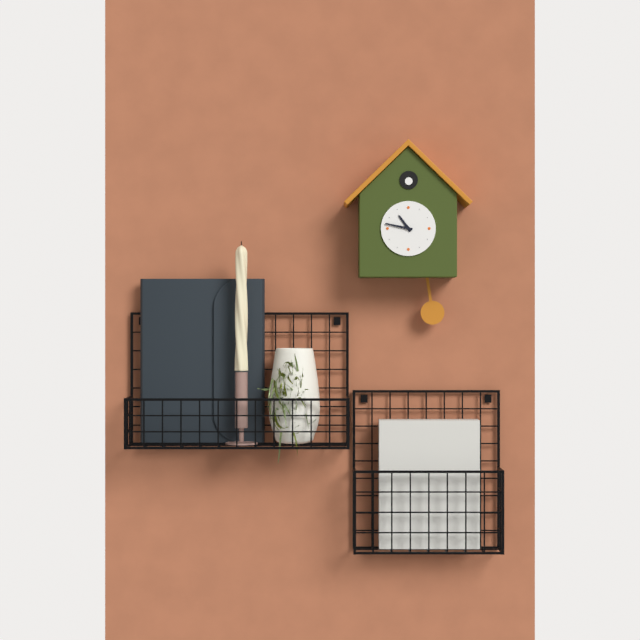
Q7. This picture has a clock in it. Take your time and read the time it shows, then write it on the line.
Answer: 10:47
